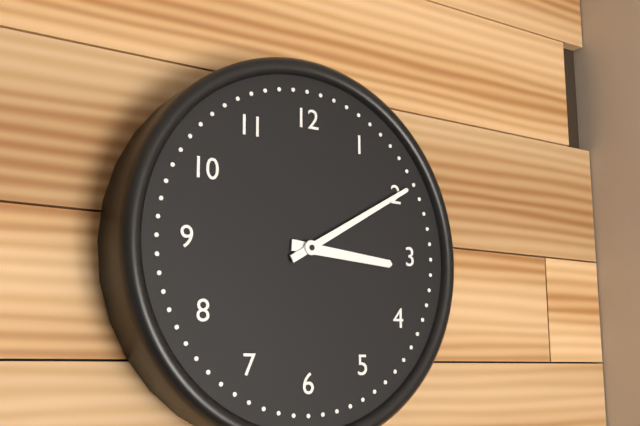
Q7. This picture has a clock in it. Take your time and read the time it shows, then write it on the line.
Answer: 3:10
